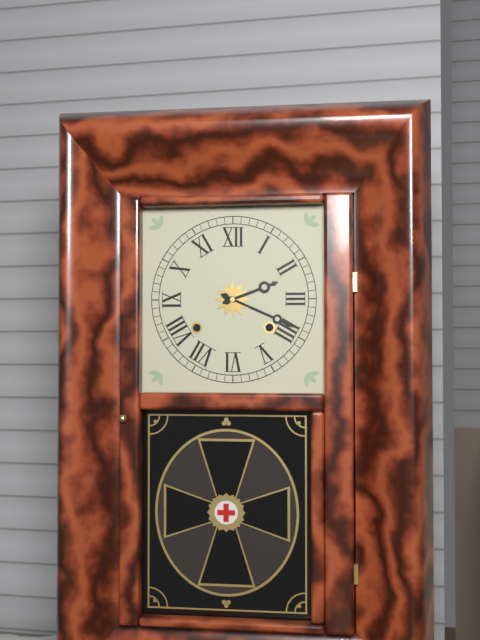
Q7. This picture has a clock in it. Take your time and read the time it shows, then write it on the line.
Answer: 2:19
